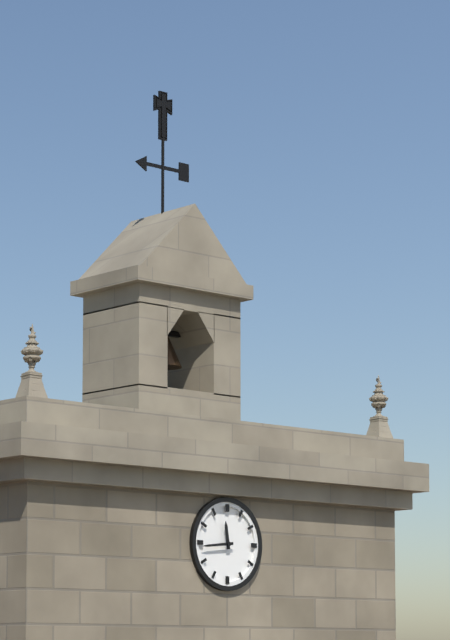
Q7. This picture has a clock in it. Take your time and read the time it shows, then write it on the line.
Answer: 11:44
